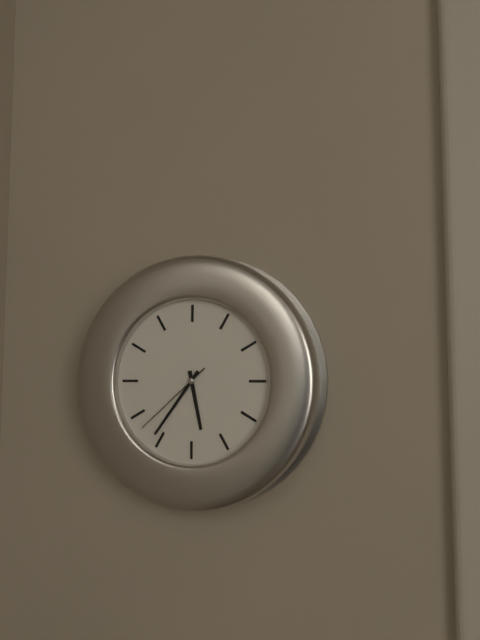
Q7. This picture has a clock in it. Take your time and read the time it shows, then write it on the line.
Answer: 5:36:38
